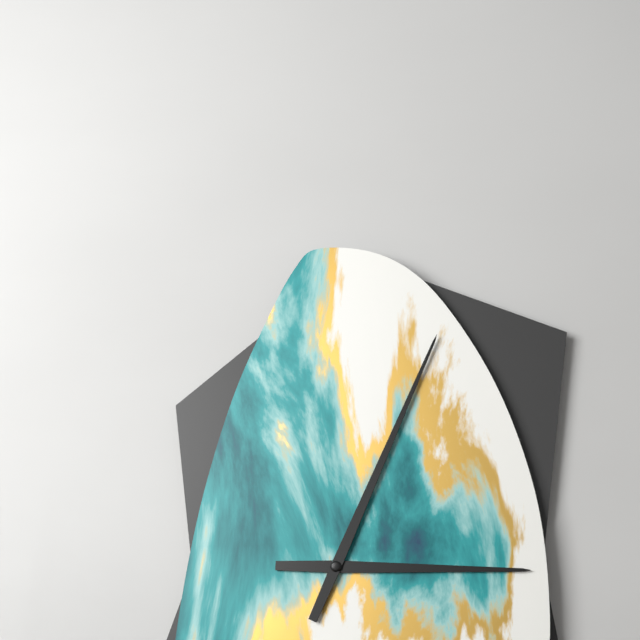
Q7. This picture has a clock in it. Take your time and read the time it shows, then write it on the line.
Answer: 3:04
